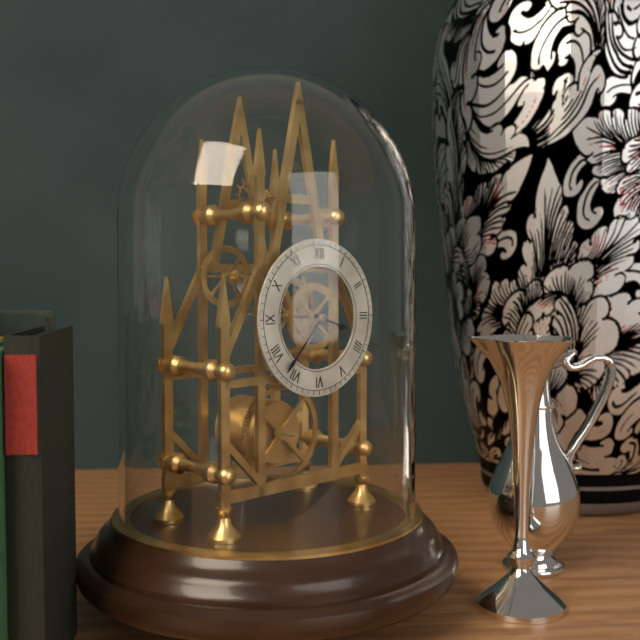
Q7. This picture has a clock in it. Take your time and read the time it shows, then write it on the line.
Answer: 3:37
